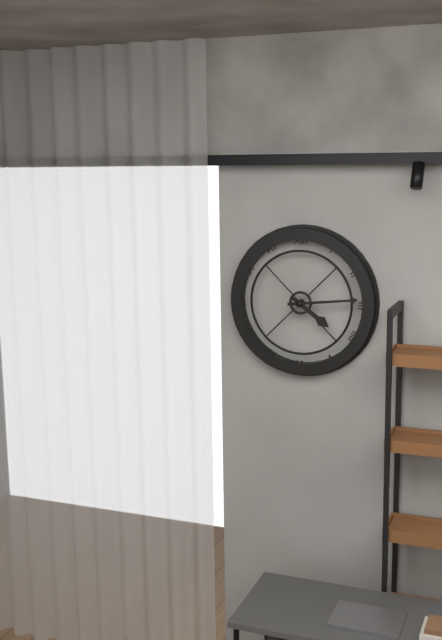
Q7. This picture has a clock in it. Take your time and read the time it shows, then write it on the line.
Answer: 4:14
